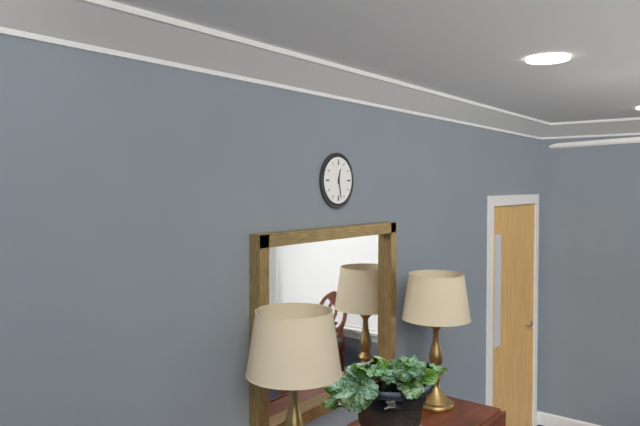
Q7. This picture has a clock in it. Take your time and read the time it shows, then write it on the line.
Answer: 12:28
